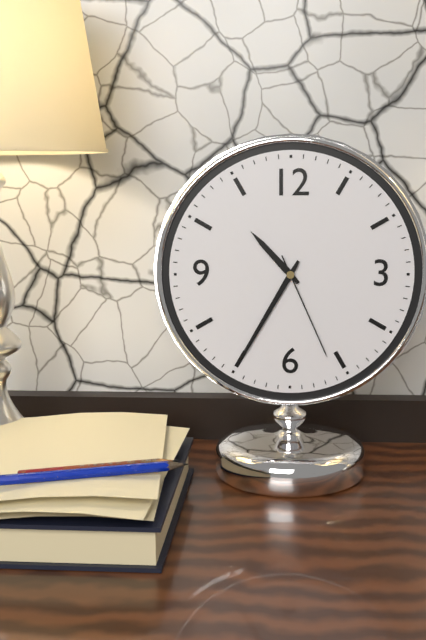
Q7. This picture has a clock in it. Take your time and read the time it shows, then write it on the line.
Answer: 10:35:26
